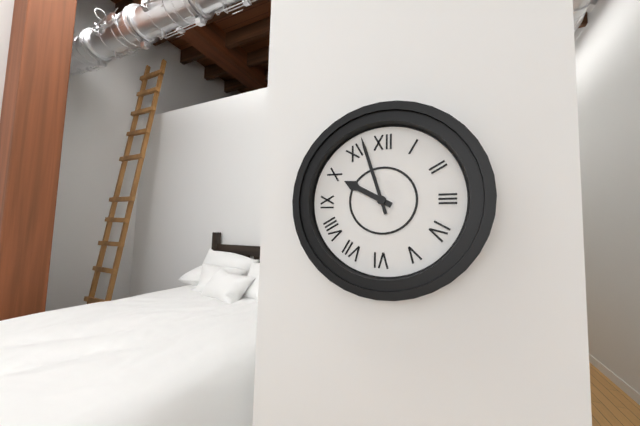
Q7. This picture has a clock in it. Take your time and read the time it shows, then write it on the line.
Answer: 9:57
